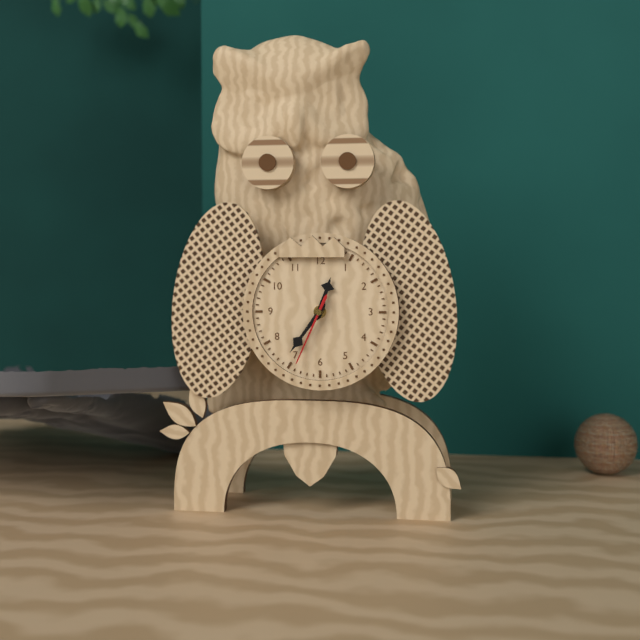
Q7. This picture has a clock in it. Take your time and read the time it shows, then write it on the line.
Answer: 12:36:34
